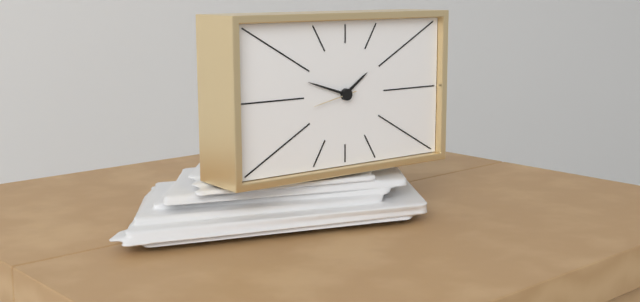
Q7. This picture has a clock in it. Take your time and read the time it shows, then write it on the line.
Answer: 1:48
